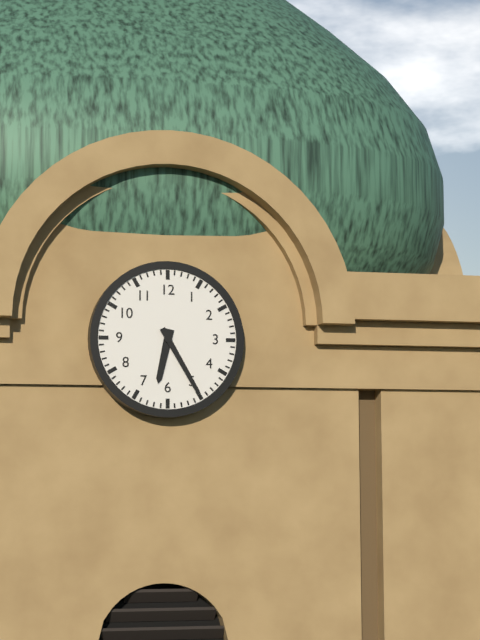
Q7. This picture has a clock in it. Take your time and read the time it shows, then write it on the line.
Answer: 6:25
